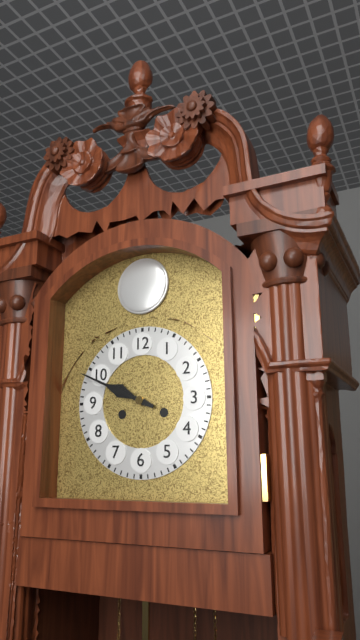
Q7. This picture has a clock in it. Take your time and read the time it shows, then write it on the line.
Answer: 9:49
